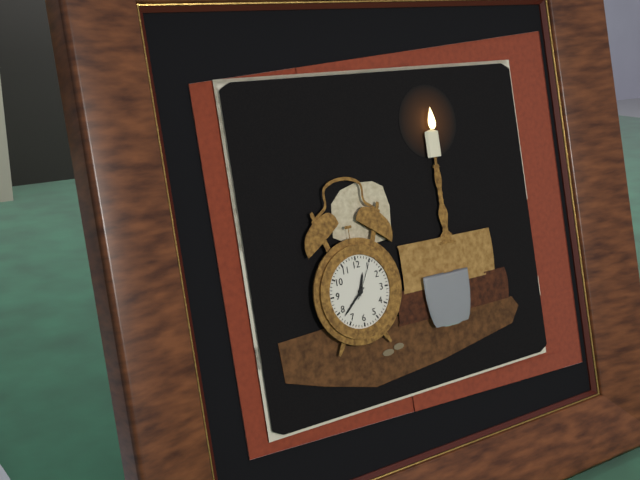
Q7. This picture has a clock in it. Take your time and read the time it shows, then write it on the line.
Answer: 12:38
